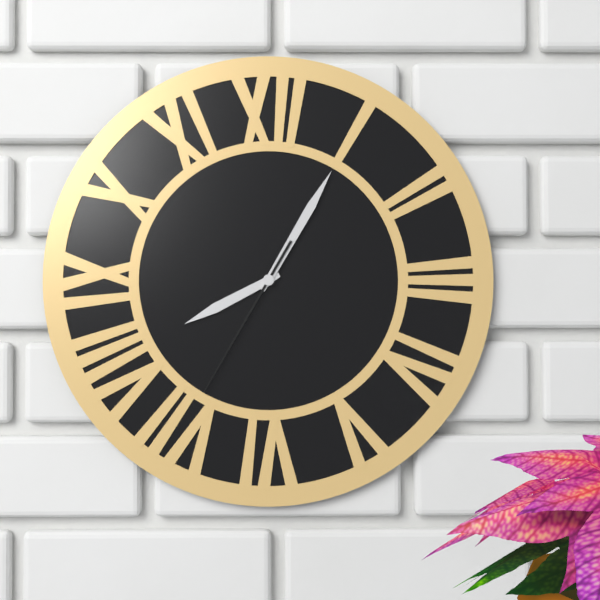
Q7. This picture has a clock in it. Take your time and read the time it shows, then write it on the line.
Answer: 8:05:35
